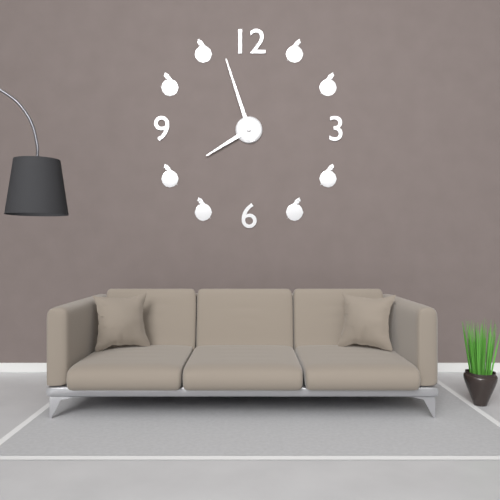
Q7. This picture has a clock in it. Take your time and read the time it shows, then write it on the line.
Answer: 7:57
